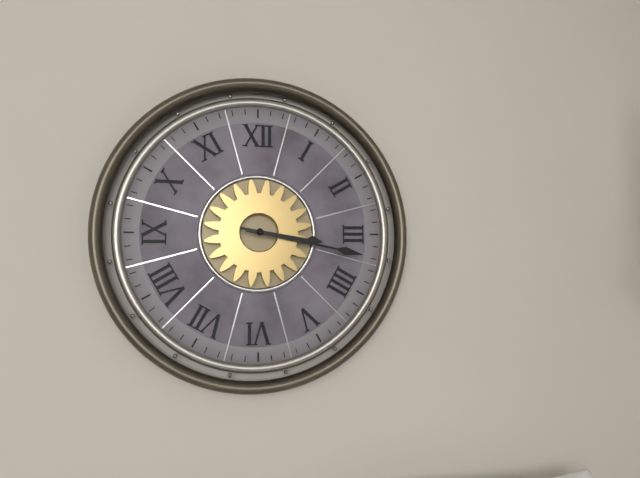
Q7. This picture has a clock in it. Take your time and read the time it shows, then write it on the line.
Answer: 3:17
